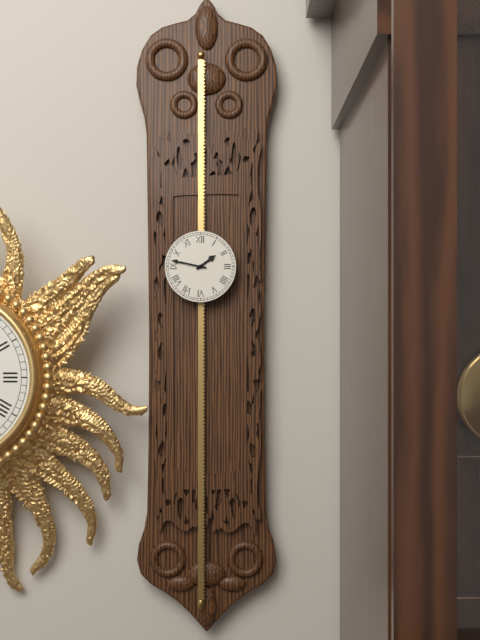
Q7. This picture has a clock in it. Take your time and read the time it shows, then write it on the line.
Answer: 1:47
